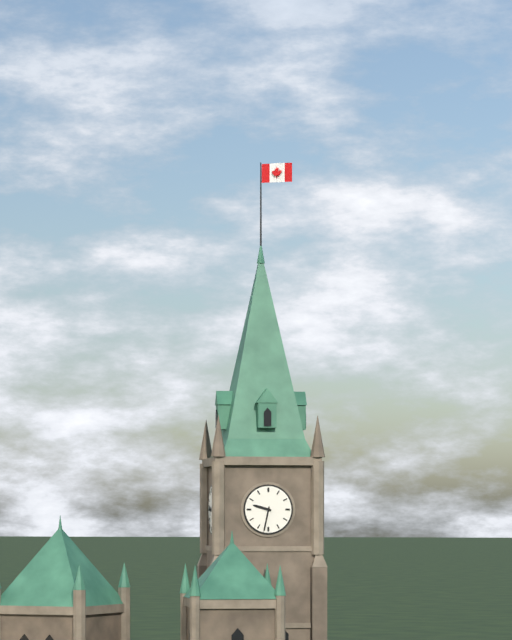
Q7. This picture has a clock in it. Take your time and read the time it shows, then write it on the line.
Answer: 9:32
